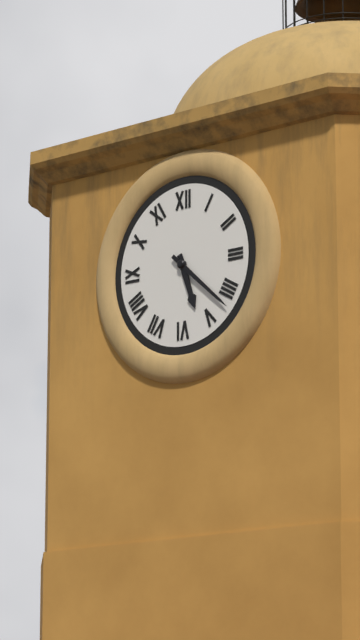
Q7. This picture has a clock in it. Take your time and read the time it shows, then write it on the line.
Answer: 5:22
